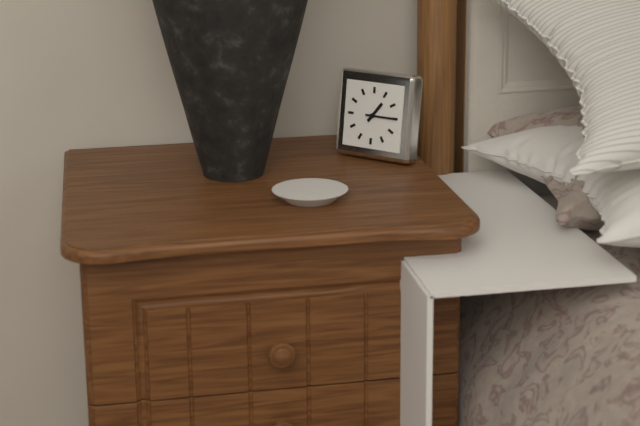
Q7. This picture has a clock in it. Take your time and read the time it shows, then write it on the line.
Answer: 1:15
